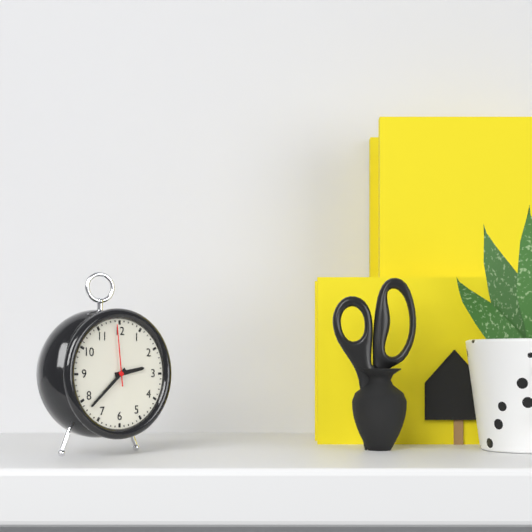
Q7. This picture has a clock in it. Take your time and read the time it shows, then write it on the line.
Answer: 2:38:59
